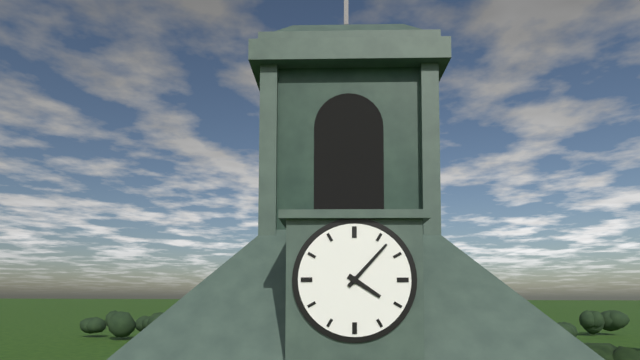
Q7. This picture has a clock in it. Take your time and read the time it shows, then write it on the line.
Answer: 4:07
